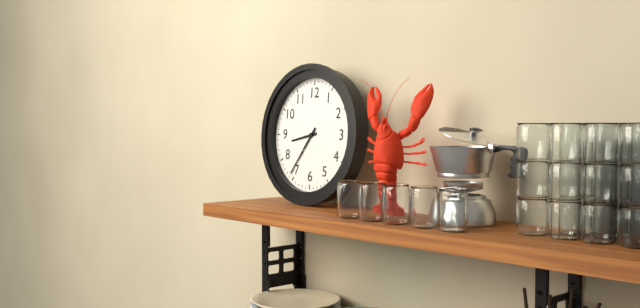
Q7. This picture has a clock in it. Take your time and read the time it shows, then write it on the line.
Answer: 8:36
